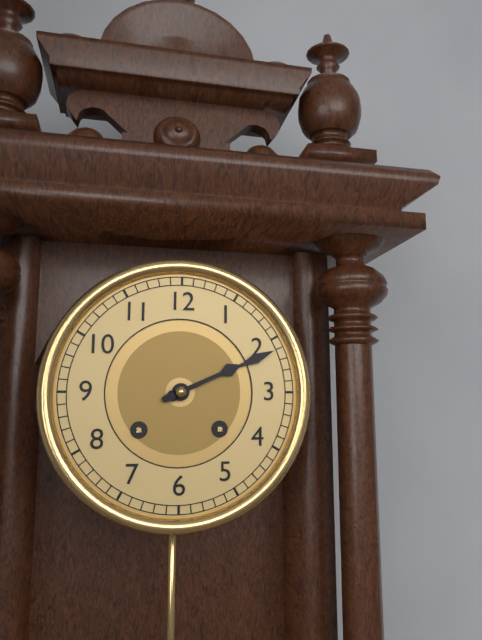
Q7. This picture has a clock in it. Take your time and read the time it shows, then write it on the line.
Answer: 2:11
